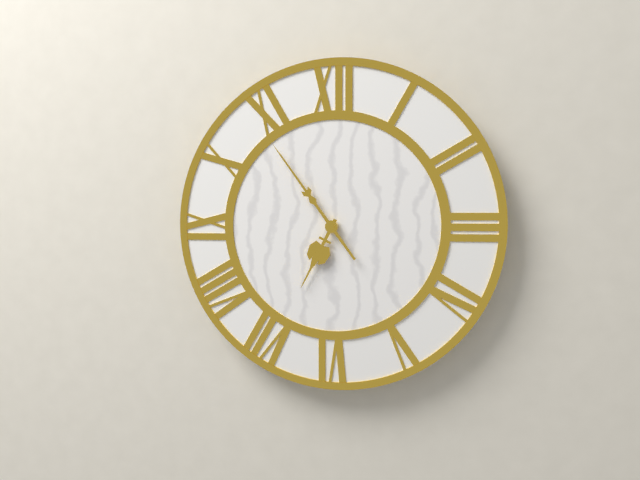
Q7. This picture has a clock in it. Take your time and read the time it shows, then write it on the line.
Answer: 6:54
